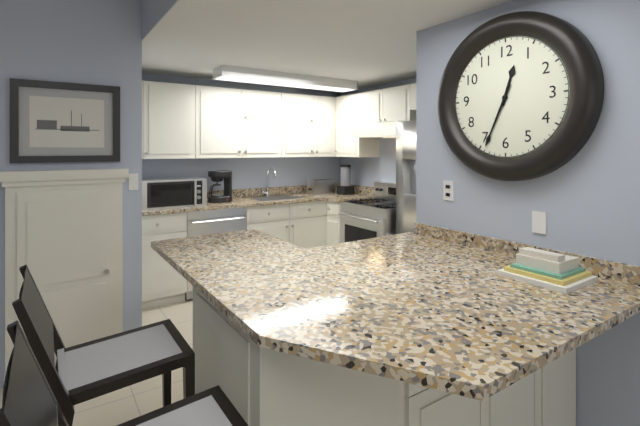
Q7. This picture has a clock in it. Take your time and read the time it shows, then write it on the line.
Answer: 12:34
